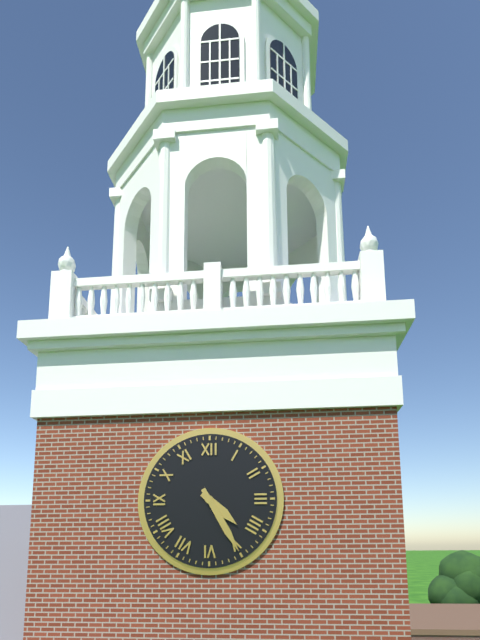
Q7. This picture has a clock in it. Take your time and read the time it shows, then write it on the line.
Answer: 4:25
